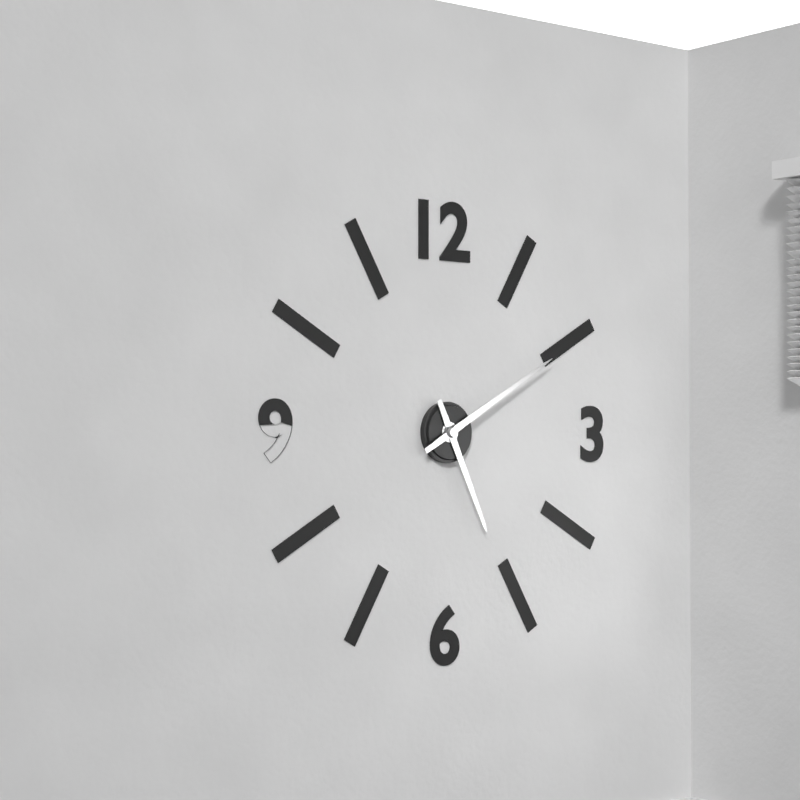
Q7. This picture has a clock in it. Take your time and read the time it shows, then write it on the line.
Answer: 5:10
